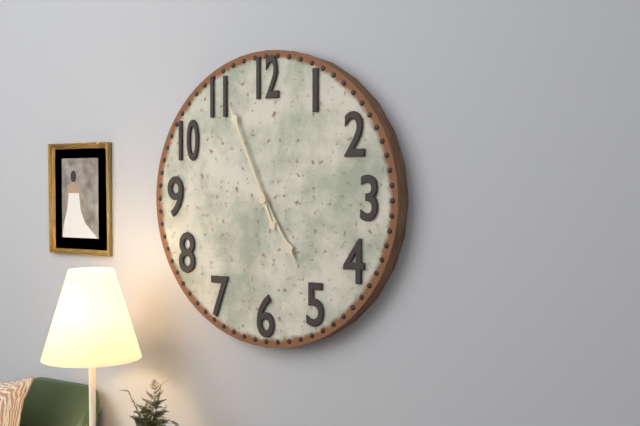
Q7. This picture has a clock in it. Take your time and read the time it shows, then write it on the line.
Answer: 4:56
